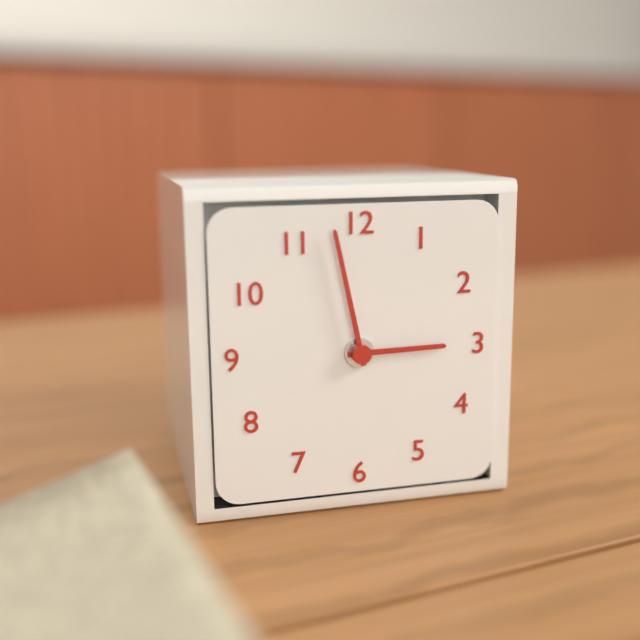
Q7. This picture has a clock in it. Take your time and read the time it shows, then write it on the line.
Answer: 2:58
